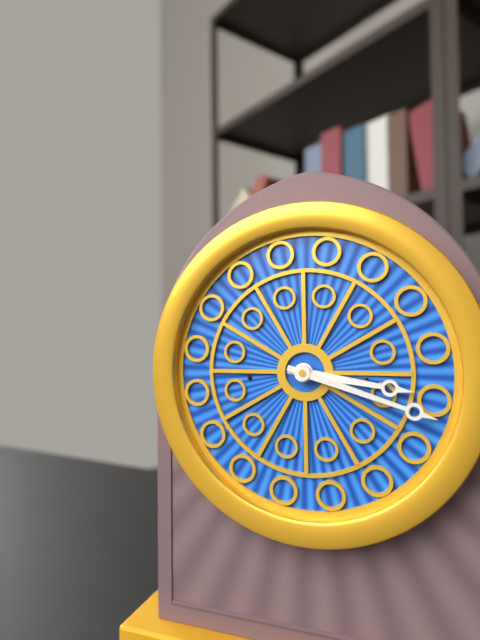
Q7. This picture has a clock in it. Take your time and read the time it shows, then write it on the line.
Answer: 3:18
